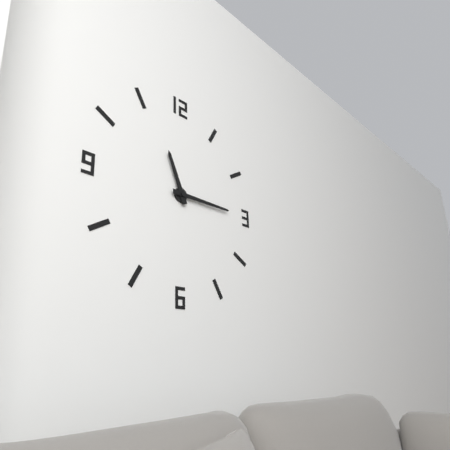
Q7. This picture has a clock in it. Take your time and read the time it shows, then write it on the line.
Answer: 11:15
